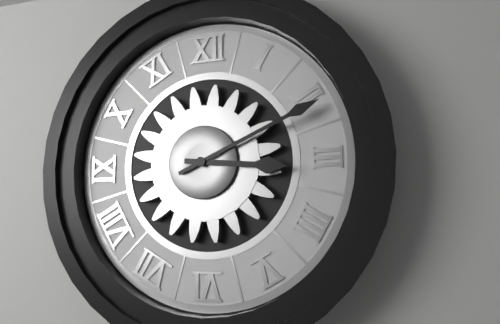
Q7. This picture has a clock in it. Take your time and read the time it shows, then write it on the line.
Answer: 3:11
